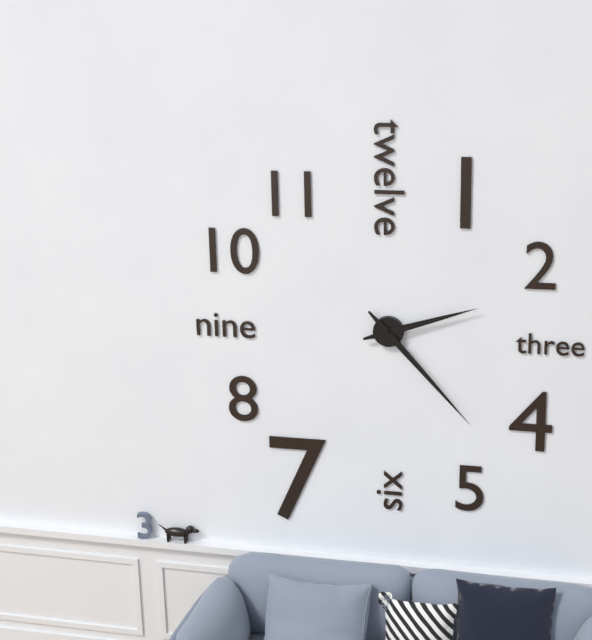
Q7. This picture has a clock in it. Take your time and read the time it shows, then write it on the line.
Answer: 2:23
